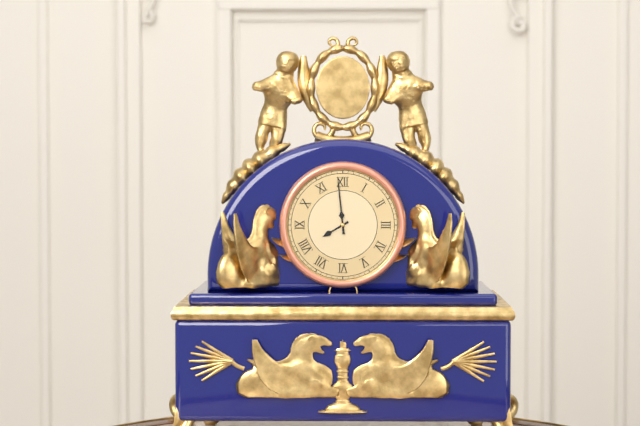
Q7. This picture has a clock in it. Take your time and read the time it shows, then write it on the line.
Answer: 7:59
